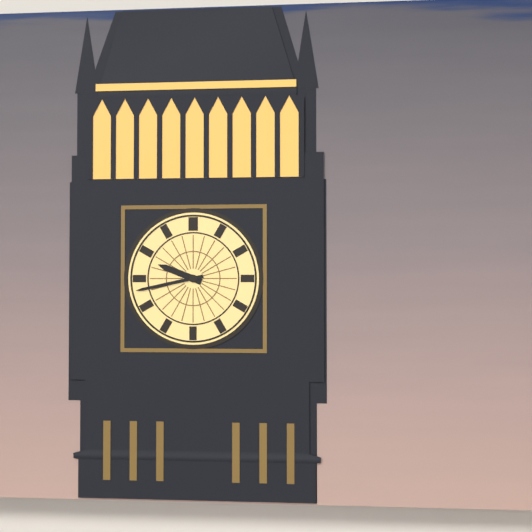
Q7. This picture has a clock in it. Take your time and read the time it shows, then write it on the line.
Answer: 9:43
